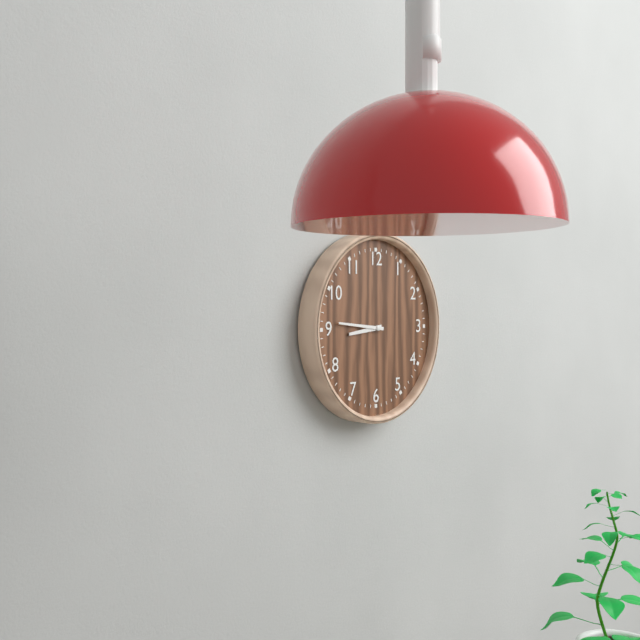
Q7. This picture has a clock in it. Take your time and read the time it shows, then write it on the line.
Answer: 8:46
